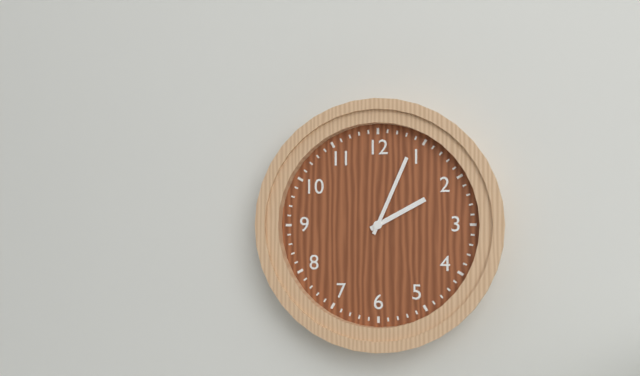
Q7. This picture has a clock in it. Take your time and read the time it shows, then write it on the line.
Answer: 2:04
